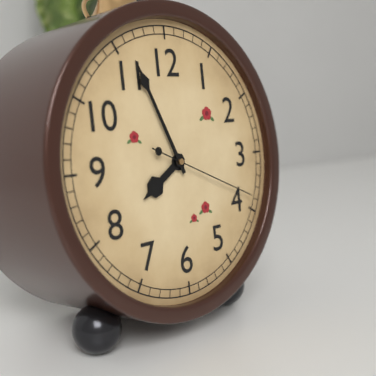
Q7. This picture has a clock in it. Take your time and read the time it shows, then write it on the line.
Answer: 7:56:19
